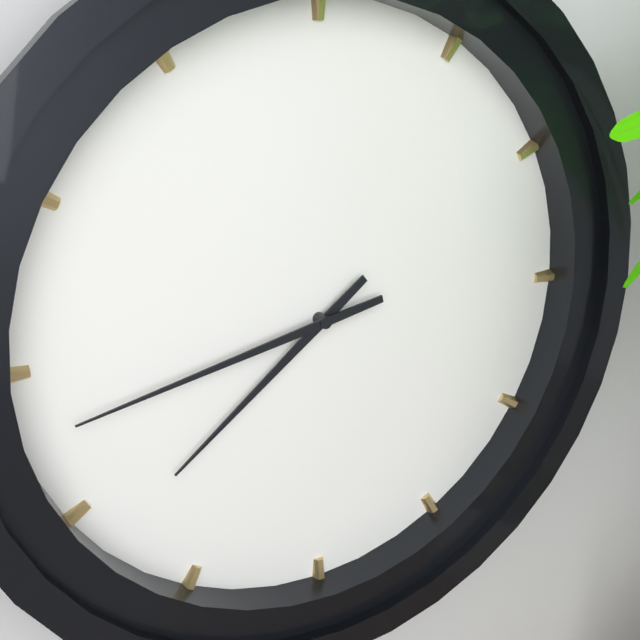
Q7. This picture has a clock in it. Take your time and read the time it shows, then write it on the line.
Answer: 7:43
